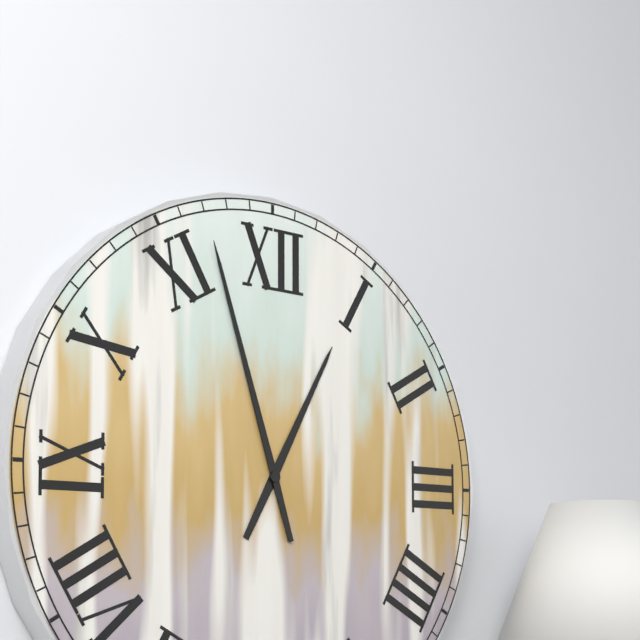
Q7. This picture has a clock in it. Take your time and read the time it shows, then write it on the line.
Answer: 12:57
